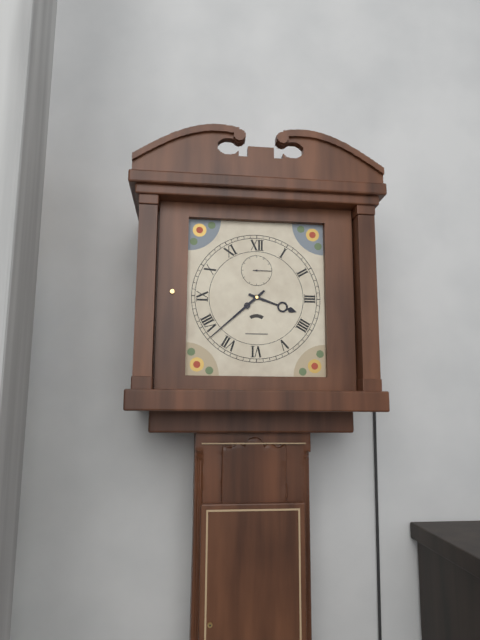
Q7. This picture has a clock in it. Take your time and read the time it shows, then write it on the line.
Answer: 3:38
